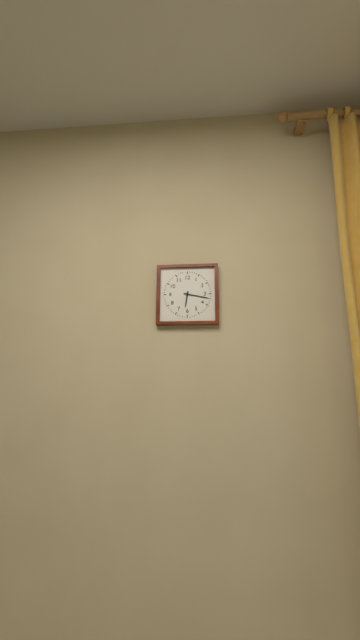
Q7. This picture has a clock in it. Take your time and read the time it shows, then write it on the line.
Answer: 6:17
